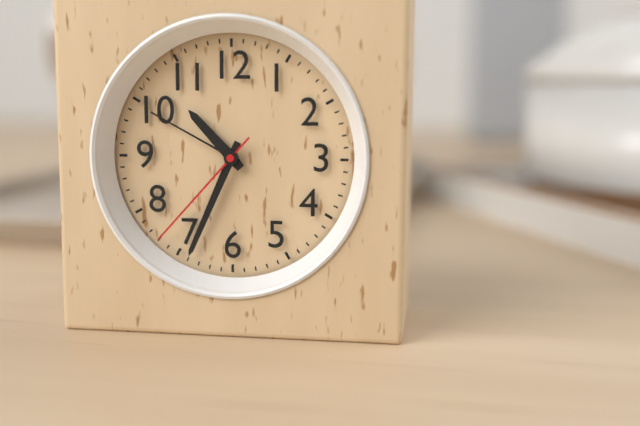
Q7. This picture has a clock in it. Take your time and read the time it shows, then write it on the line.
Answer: 10:34:37
